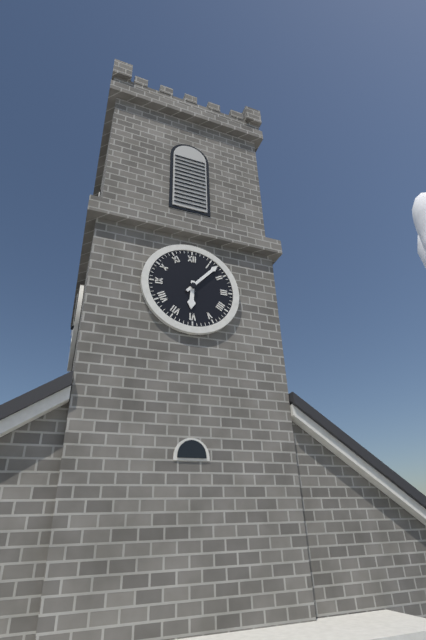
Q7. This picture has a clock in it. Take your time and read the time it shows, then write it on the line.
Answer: 6:07
